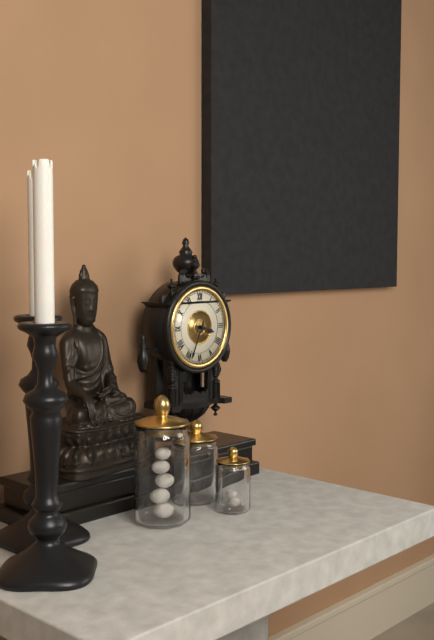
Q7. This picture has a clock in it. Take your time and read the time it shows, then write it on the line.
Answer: 3:34
